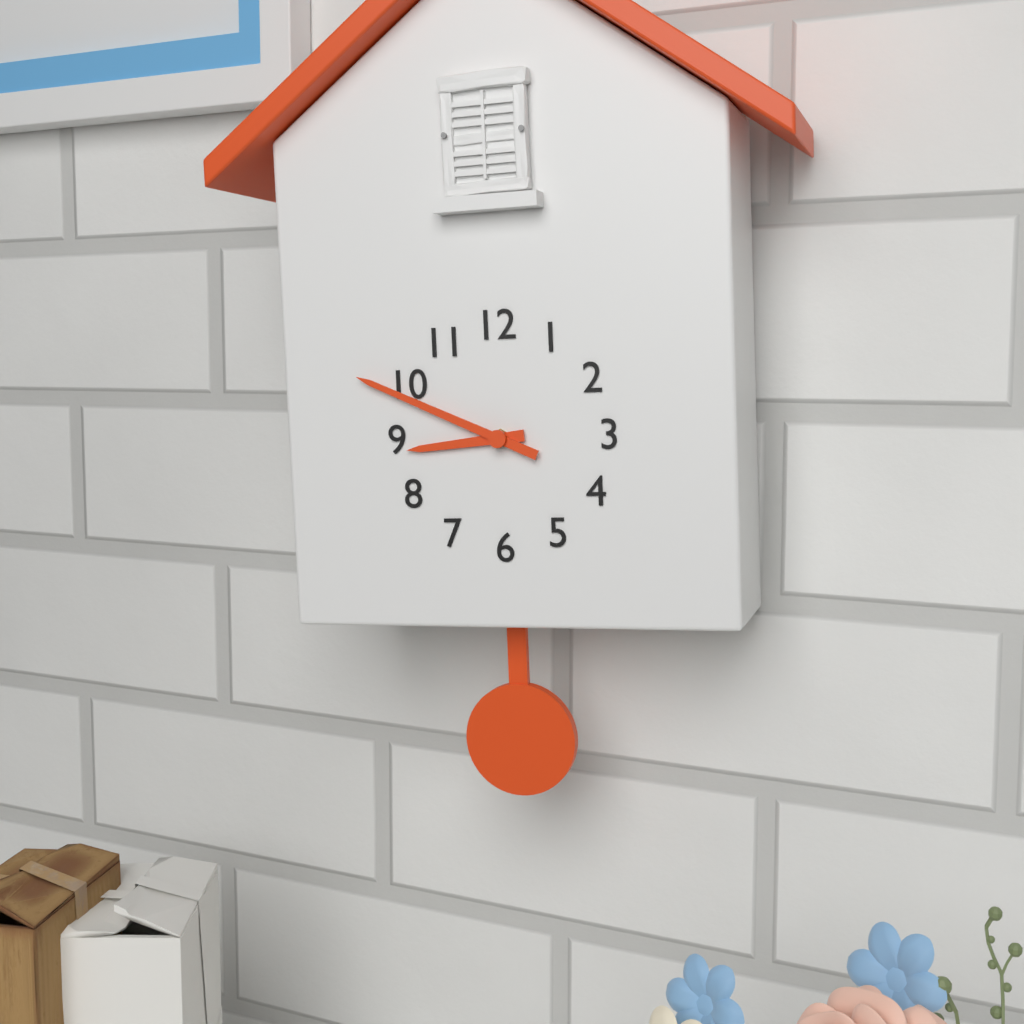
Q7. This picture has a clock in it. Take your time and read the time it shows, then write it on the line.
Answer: 8:49
